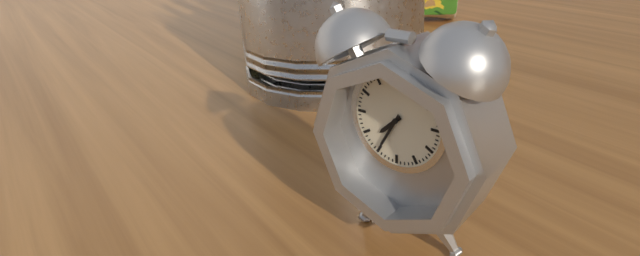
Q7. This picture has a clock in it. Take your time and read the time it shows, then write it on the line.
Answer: 7:35
